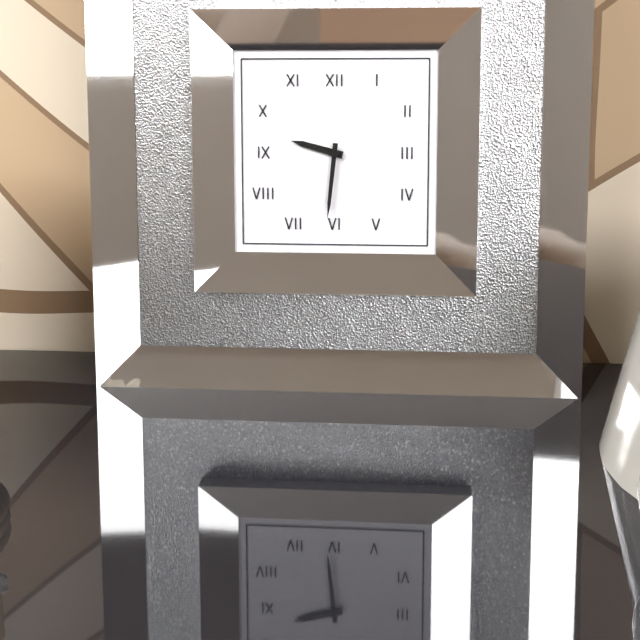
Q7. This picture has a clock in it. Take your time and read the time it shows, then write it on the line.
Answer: 9:31
